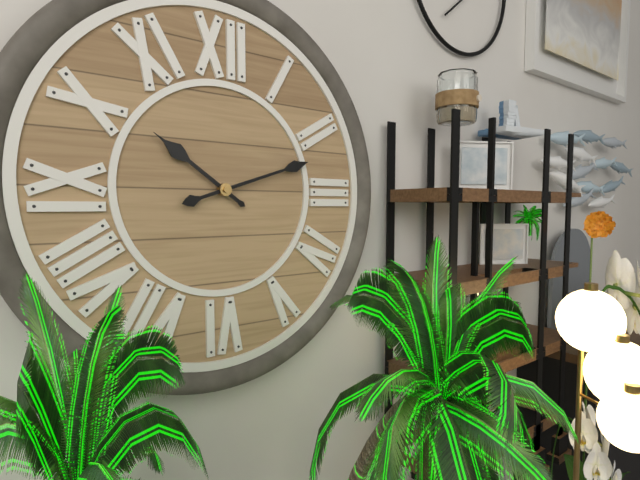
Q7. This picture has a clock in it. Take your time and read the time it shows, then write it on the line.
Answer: 10:12
